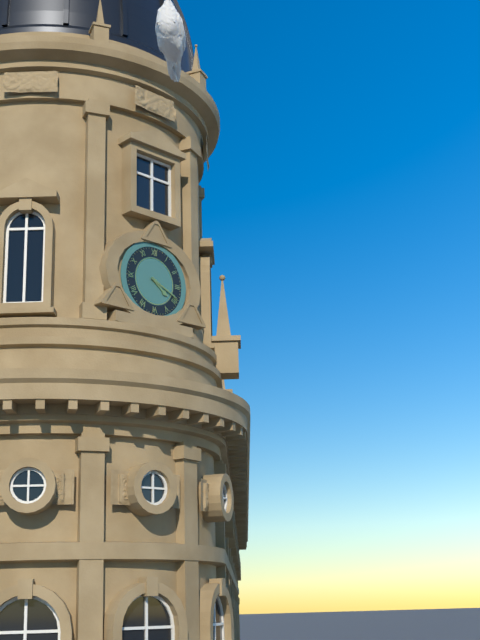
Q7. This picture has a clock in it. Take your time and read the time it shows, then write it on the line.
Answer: 4:19
